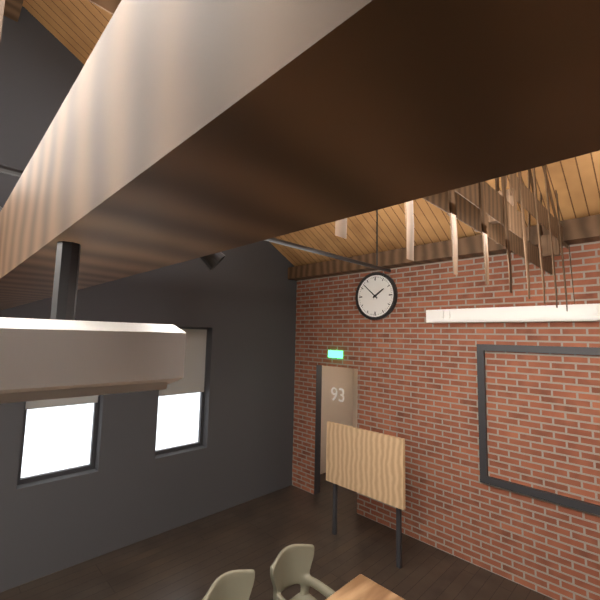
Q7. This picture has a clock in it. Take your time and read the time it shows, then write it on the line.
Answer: 1:52
